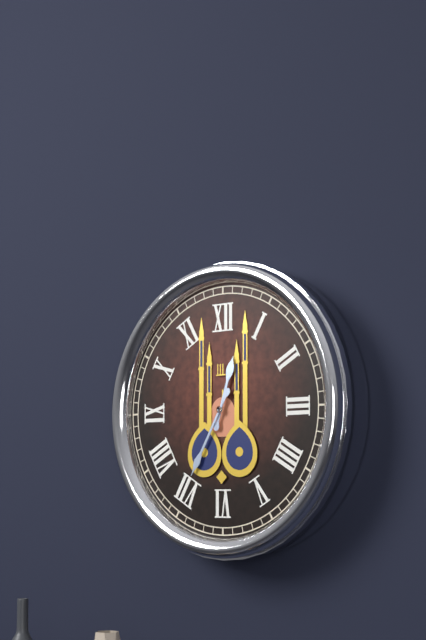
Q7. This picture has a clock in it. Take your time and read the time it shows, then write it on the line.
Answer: 12:35
